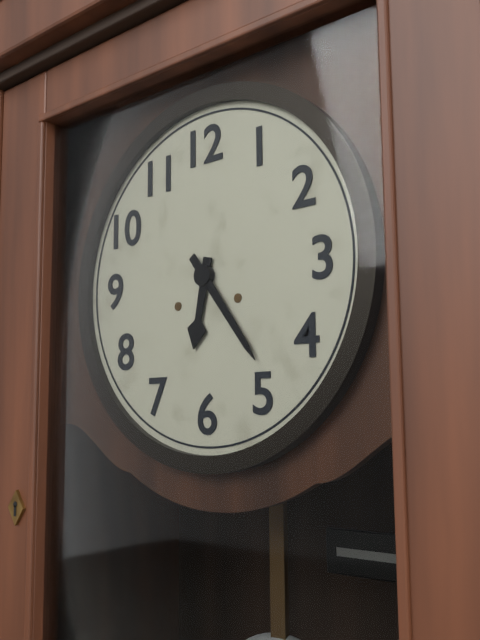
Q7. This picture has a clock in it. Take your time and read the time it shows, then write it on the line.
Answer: 6:24
